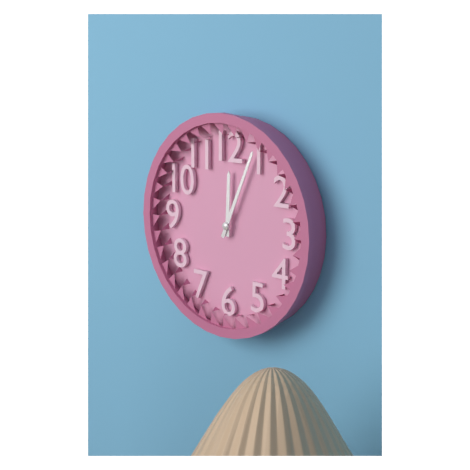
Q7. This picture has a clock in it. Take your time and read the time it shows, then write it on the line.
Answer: 12:04
